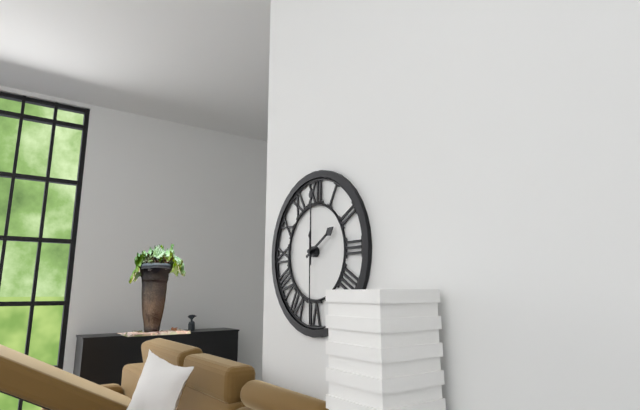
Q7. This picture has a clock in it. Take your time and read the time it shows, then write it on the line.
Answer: 2:00:30
